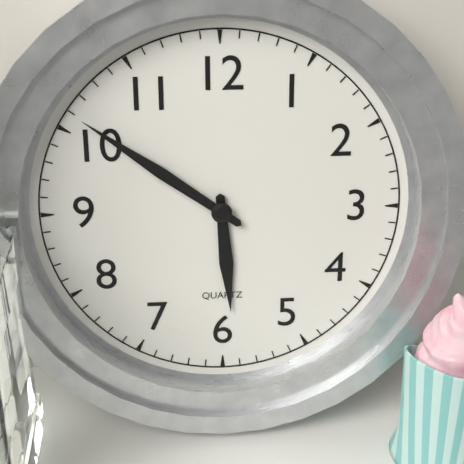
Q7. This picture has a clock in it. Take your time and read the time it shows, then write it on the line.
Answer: 5:51
